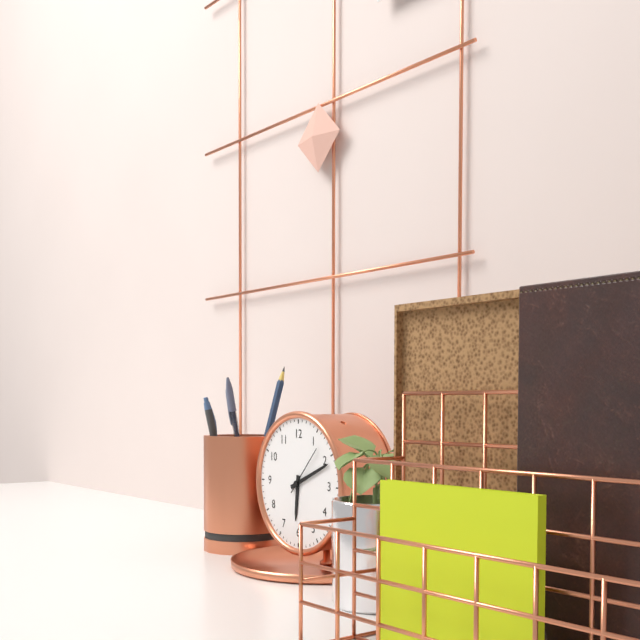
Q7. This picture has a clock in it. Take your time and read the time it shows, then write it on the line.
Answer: 6:11:07
